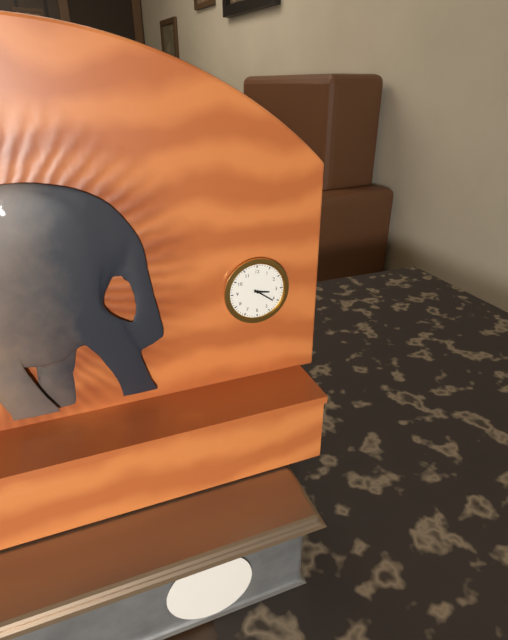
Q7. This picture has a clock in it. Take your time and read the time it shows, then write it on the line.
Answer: 3:21
